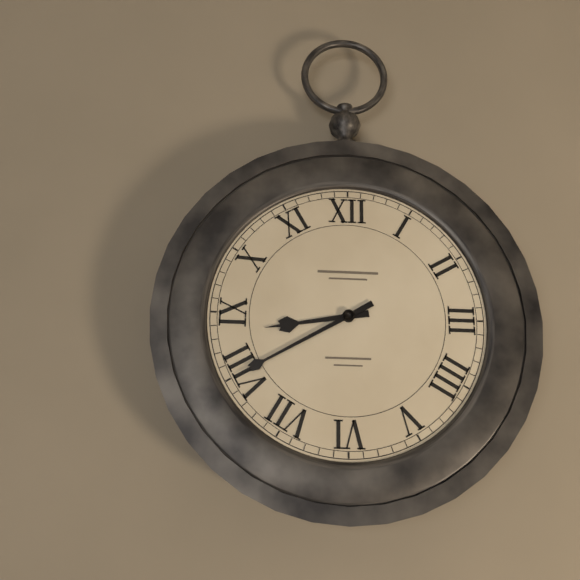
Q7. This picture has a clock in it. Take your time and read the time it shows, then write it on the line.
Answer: 8:40
